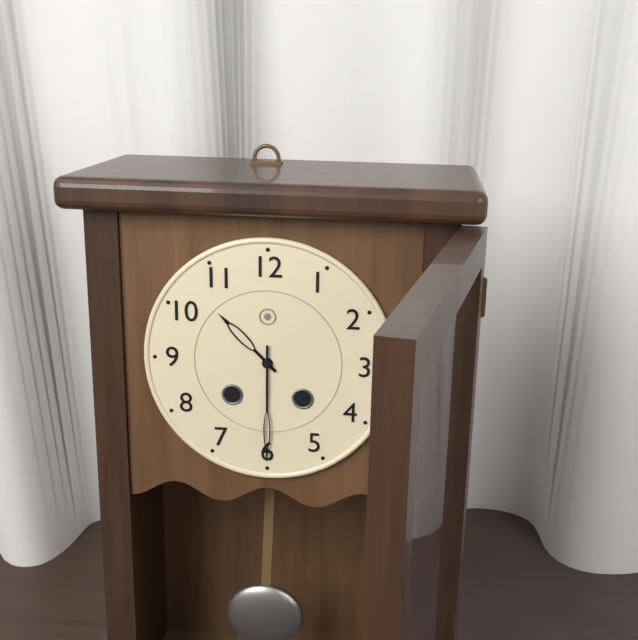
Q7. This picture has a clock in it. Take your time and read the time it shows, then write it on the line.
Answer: 10:30
